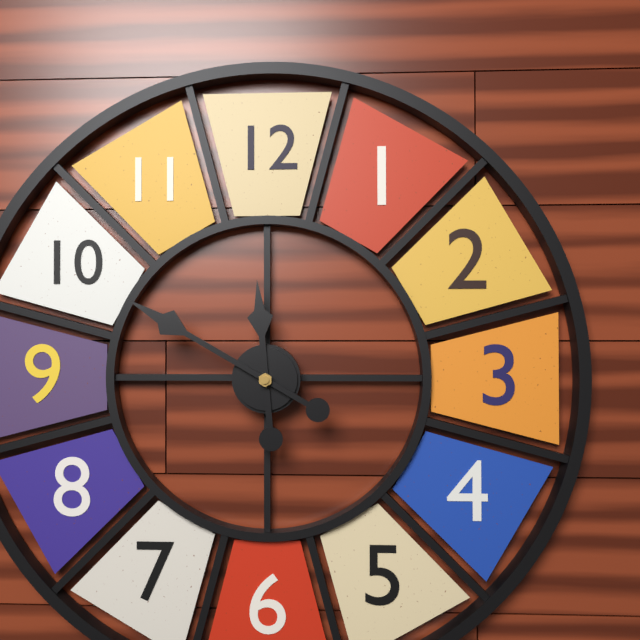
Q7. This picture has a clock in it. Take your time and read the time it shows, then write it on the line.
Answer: 11:50
